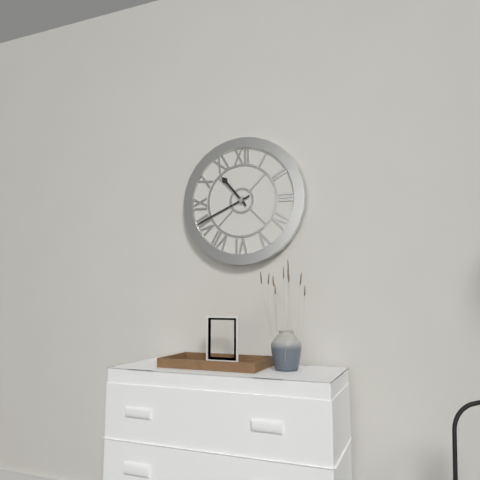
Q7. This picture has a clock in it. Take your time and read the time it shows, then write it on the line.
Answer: 10:41
